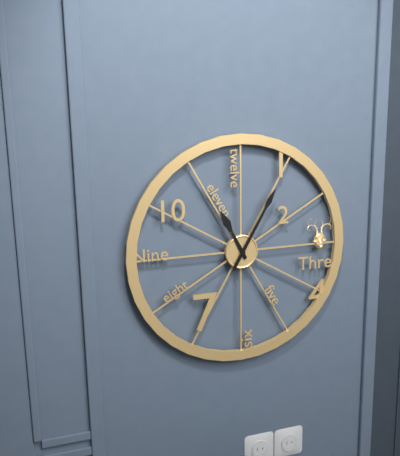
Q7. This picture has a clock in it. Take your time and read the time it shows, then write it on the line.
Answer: 11:05
